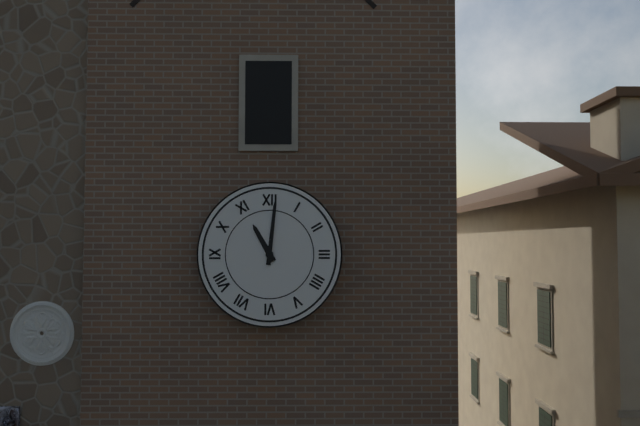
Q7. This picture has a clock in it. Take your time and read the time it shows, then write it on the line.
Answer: 11:01
